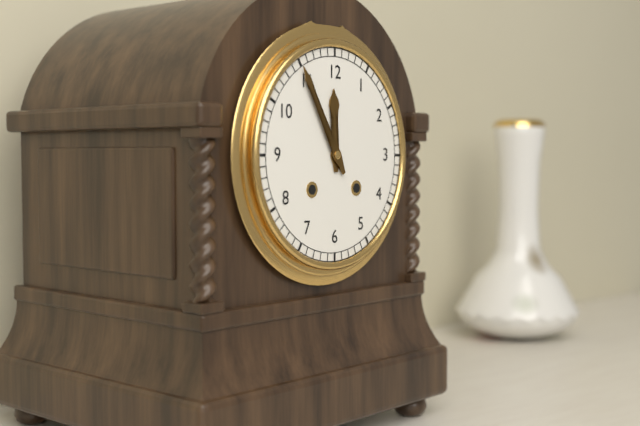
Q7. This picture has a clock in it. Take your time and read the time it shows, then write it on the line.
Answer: 11:55
